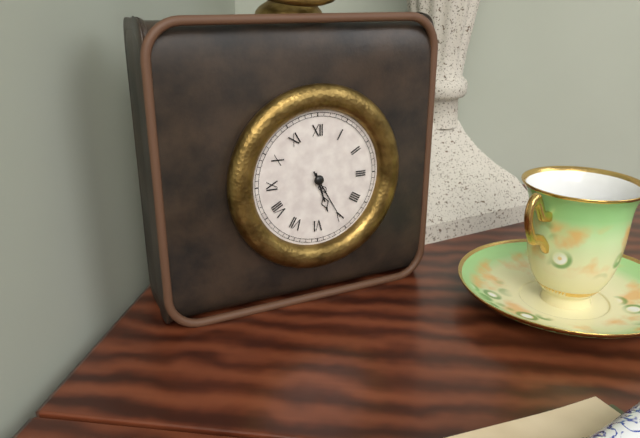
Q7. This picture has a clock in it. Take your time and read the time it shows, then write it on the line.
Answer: 5:25
